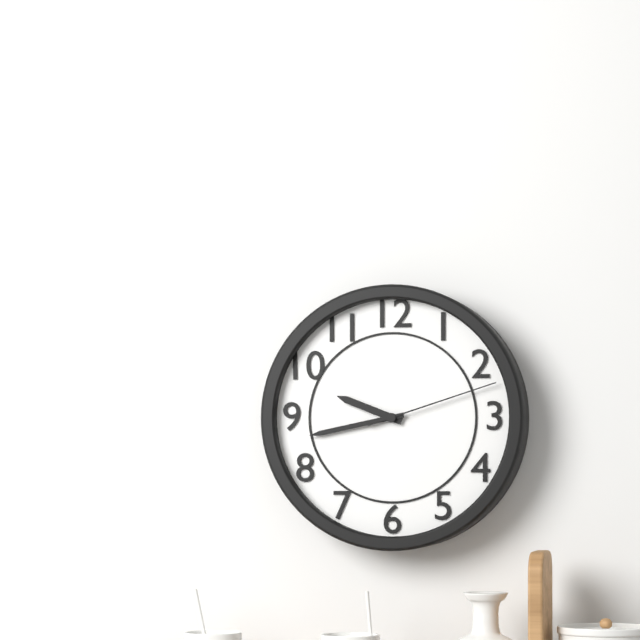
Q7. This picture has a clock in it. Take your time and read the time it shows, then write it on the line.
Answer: 9:43:12
